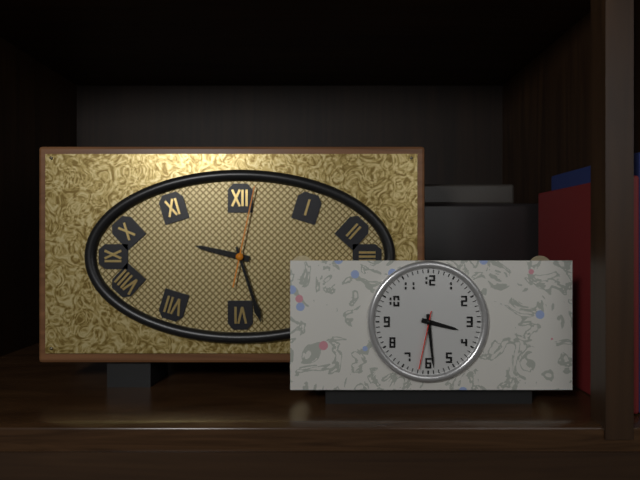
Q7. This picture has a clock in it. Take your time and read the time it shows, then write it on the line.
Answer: 9:27:02
